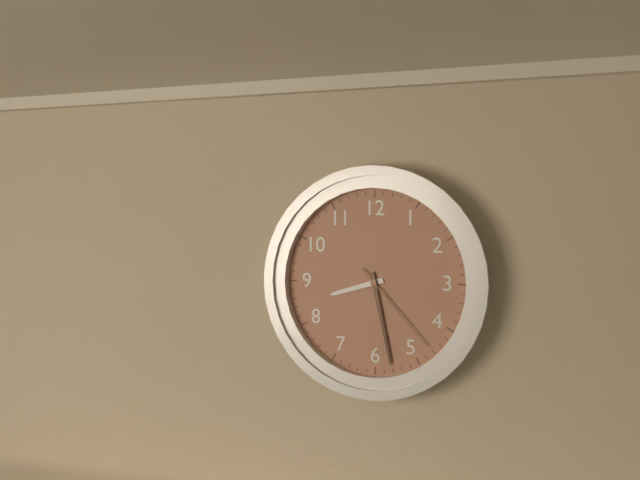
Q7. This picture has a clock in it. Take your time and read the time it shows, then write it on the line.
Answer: 8:28:23
